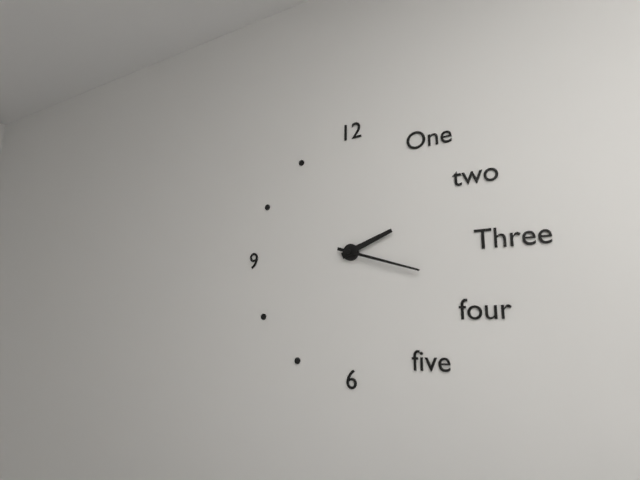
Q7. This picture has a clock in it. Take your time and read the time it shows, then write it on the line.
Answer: 2:18
